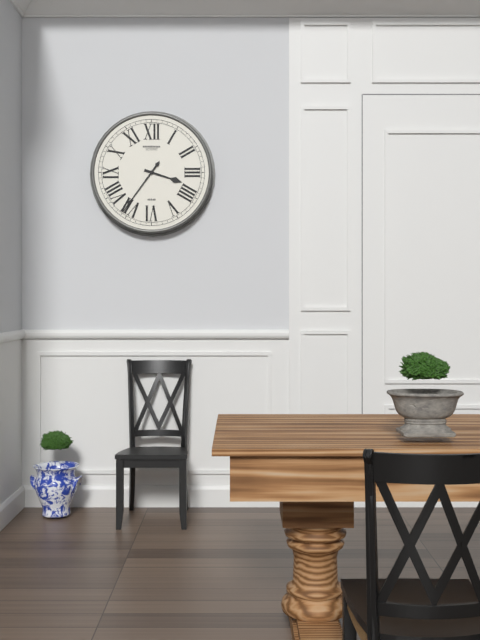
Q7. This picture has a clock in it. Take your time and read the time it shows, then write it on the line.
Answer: 3:36
